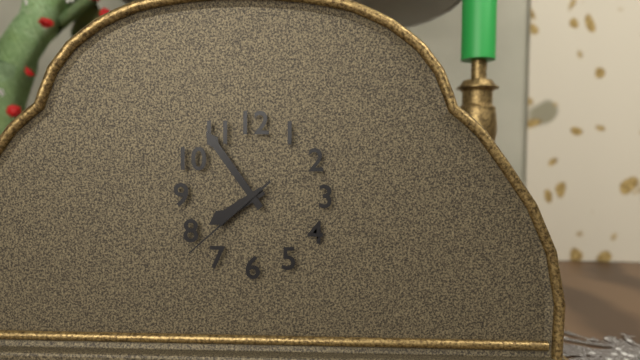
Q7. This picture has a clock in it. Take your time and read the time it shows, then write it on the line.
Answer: 7:54:38
